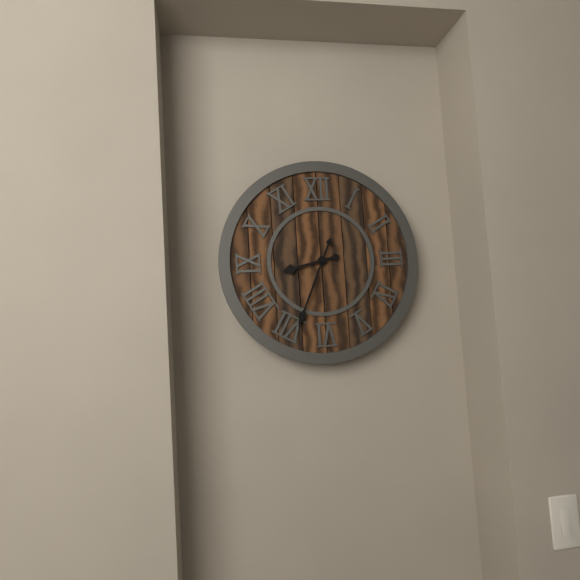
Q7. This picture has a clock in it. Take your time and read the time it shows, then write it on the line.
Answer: 8:34
